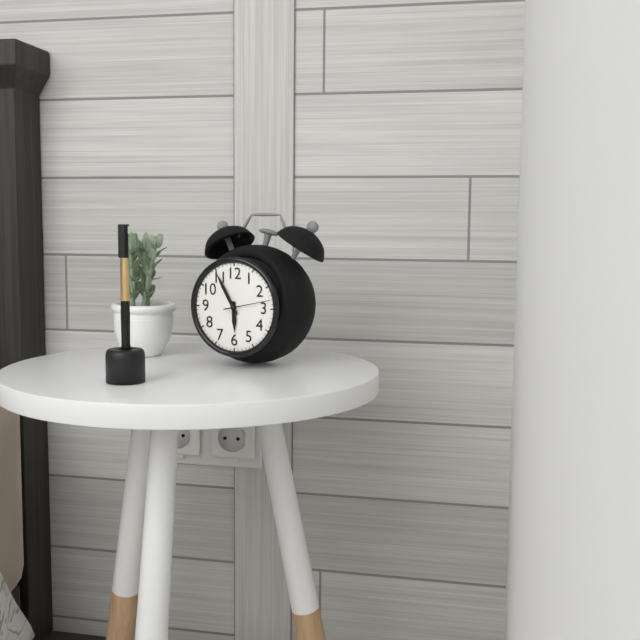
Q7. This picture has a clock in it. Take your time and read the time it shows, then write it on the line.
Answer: 5:55
